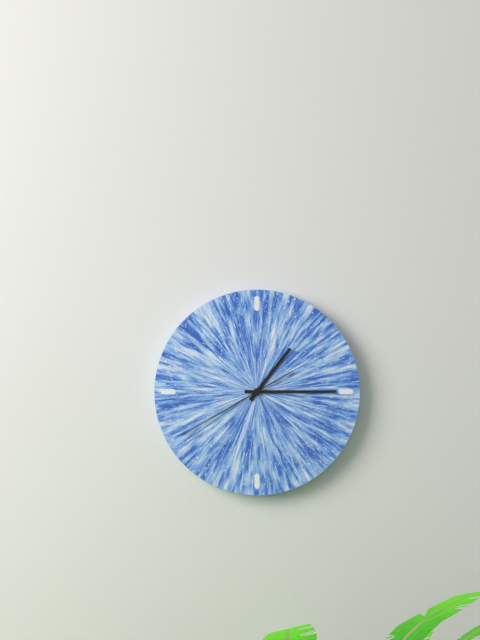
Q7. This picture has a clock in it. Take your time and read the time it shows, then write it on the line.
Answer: 1:15:40
